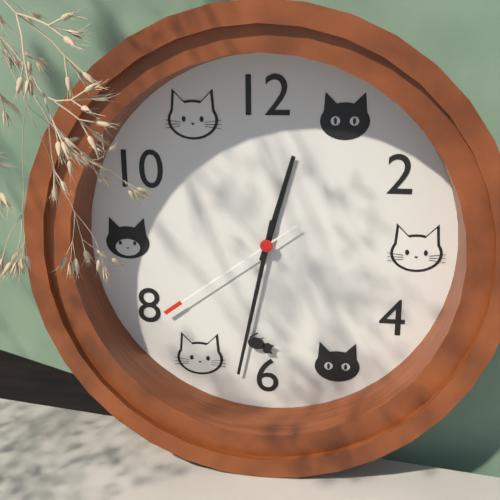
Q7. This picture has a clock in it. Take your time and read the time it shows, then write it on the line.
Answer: 12:32:39
